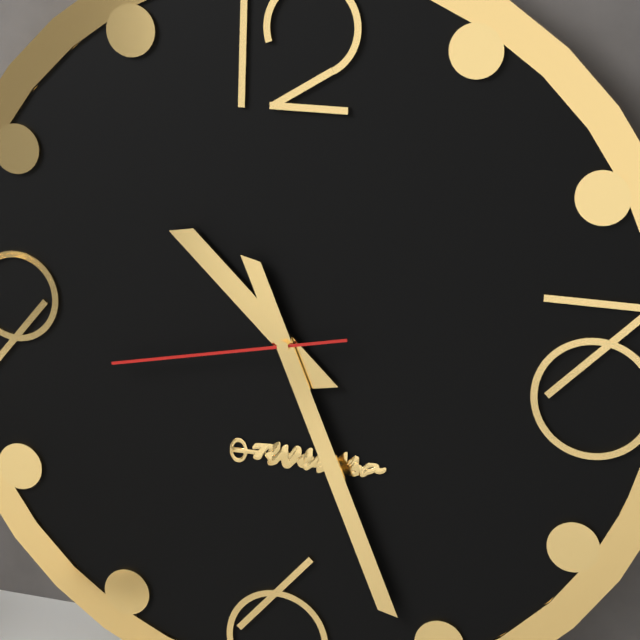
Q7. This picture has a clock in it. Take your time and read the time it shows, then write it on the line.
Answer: 10:26:43
